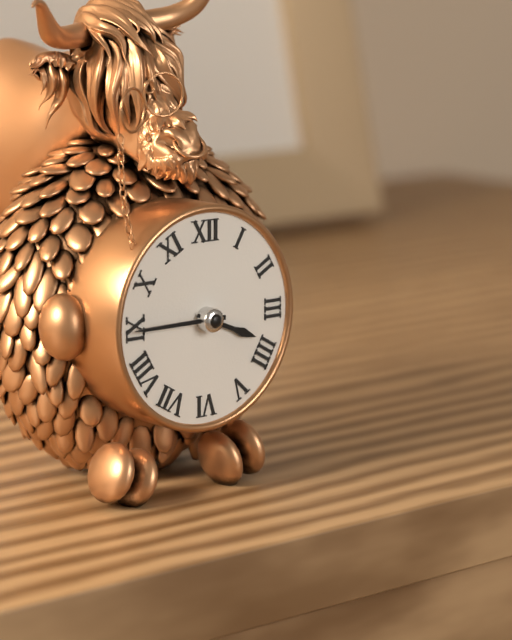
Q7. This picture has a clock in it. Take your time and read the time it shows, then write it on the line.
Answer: 3:45
